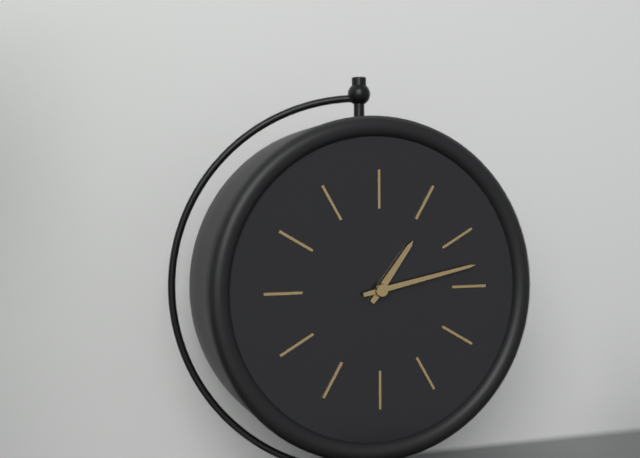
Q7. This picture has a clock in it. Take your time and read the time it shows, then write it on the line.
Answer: 1:13
